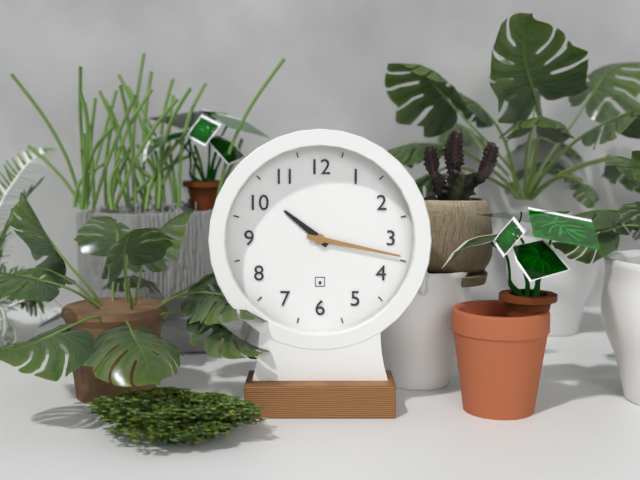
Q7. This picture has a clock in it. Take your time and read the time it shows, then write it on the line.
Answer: 10:17
